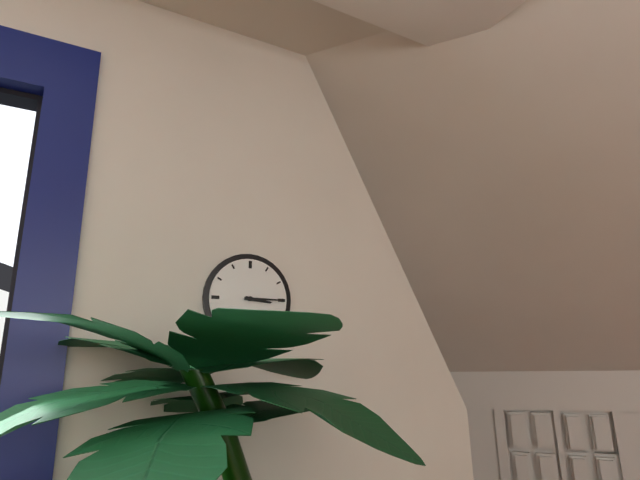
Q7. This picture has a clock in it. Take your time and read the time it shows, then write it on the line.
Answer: 3:15
